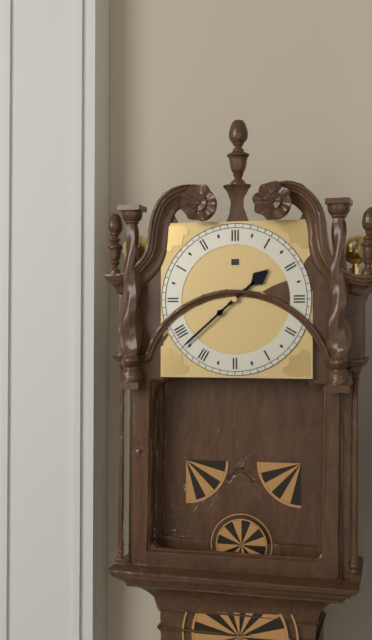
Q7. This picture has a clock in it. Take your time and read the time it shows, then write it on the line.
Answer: 1:38
